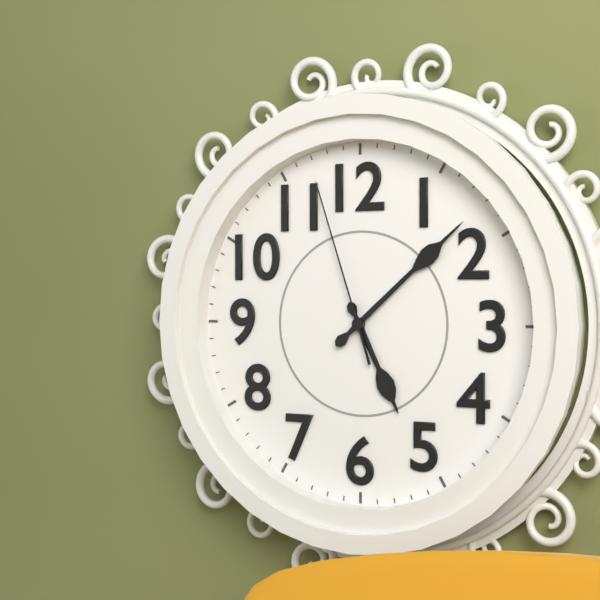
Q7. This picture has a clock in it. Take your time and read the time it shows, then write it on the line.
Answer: 5:08:57
